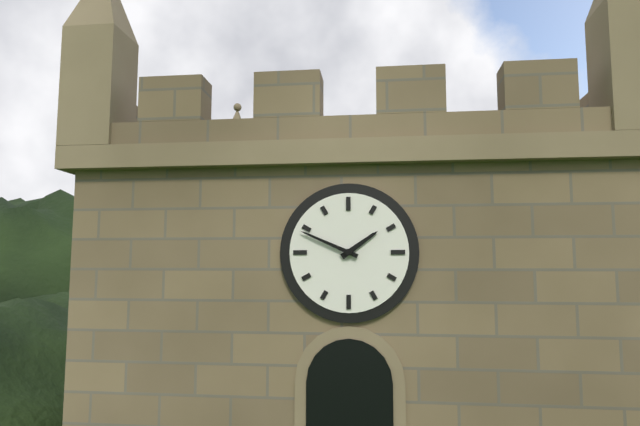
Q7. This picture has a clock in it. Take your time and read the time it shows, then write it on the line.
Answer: 1:49
